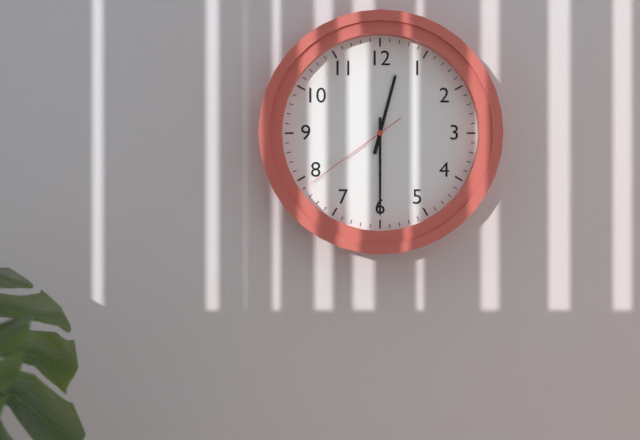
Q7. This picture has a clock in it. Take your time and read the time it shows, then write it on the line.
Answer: 12:30:39
